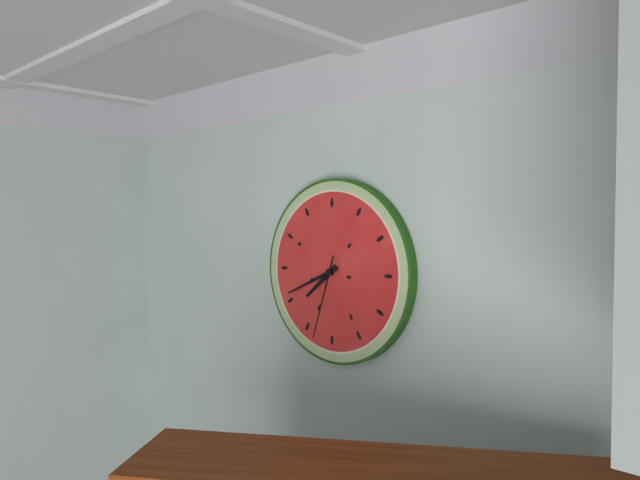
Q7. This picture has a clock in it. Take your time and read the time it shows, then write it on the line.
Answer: 7:41:33
